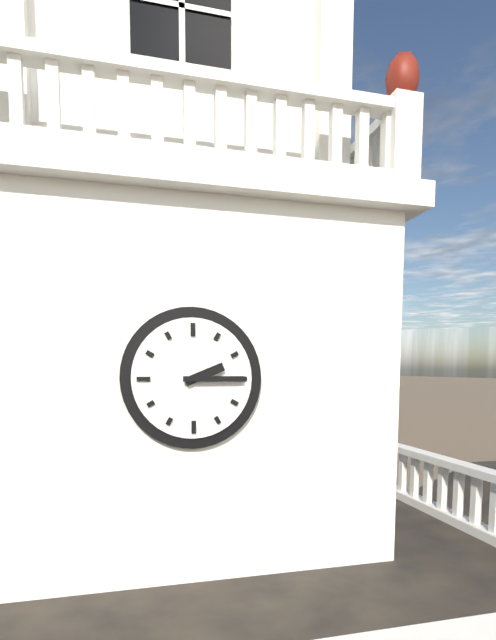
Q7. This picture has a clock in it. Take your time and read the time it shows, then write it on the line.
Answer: 2:15
